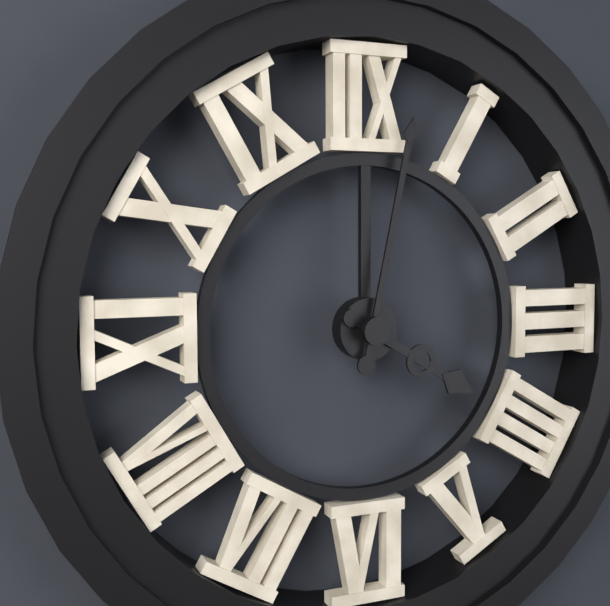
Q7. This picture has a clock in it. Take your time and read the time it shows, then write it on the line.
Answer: 4:02
